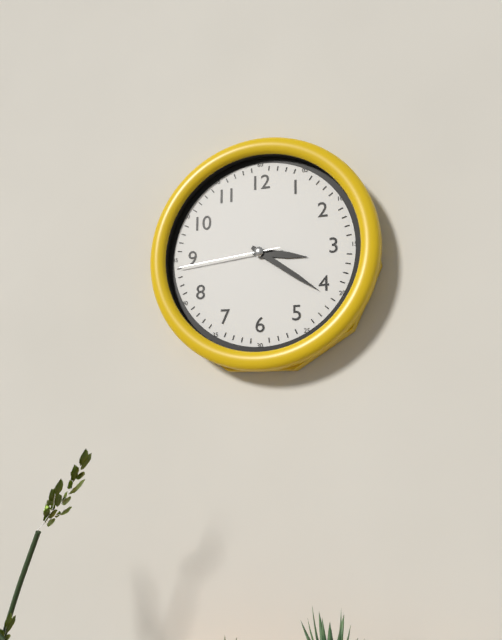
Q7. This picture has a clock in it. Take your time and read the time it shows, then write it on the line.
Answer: 3:21:44
